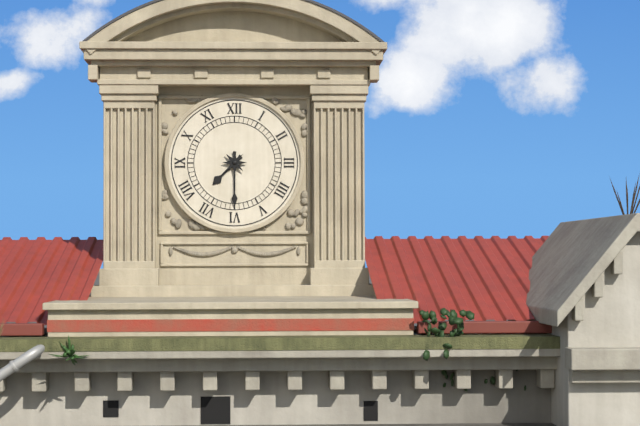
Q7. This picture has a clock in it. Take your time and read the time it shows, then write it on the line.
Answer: 7:30
